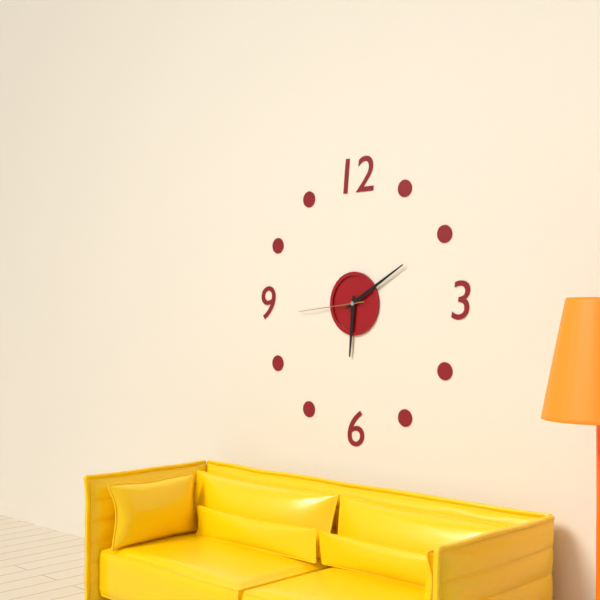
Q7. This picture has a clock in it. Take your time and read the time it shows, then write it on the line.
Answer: 6:10:44
